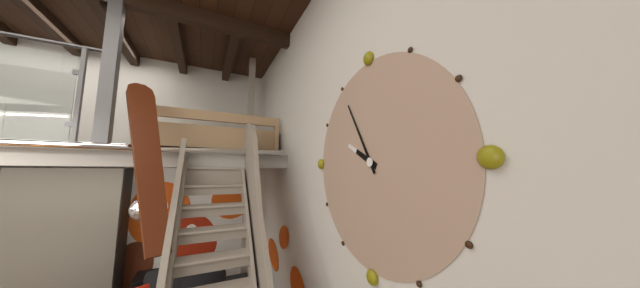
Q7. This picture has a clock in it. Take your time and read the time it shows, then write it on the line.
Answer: 9:55
